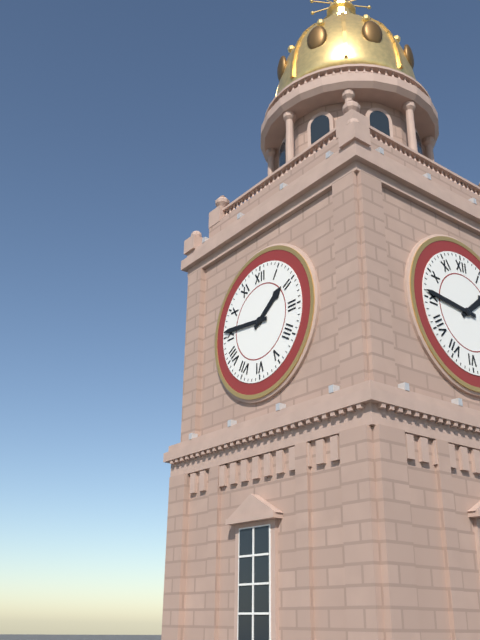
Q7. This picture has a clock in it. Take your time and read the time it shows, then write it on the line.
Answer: 1:46
